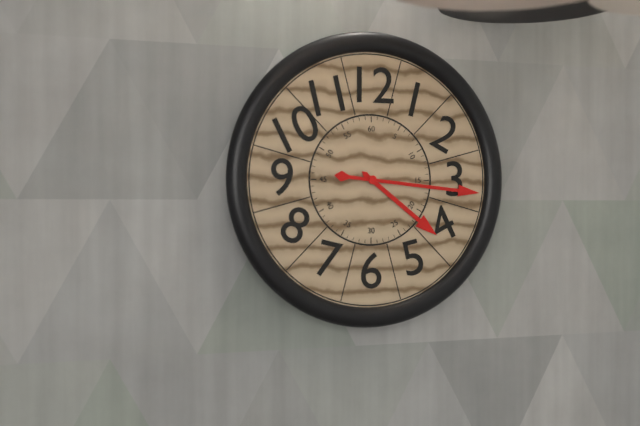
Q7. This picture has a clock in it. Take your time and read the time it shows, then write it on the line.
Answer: 4:16
